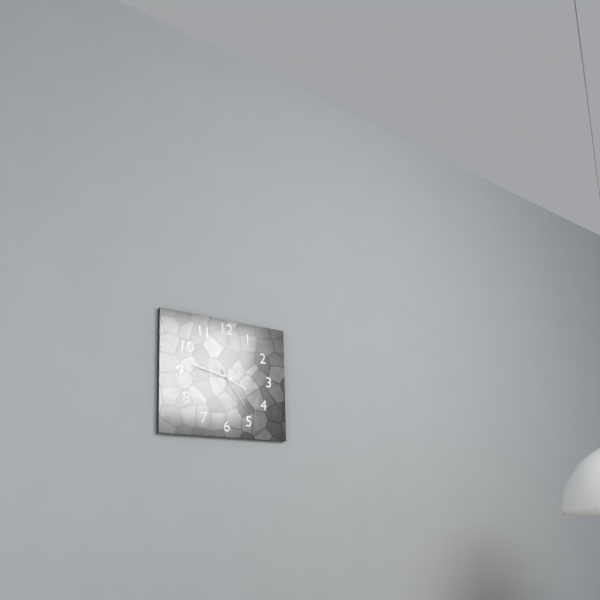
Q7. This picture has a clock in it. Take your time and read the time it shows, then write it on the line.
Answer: 3:47
